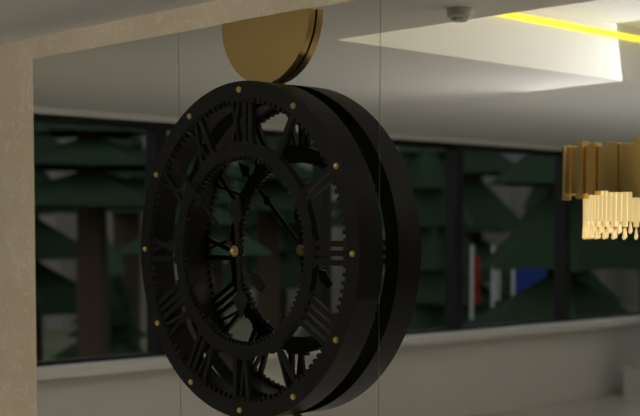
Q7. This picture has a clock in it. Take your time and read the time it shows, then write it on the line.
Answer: 5:52
